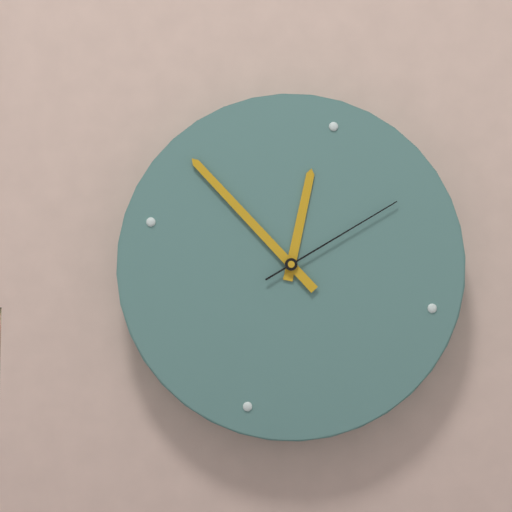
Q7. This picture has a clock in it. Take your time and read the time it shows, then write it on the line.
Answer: 11:50:07
